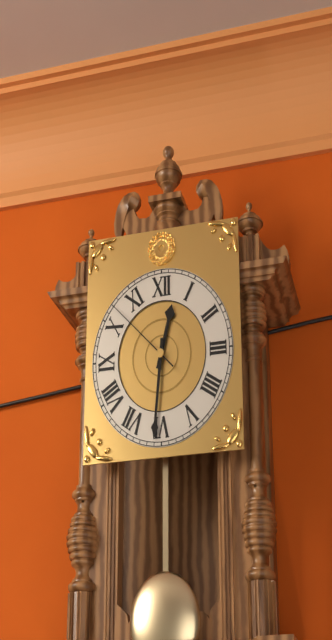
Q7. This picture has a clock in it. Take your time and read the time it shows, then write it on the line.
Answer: 12:31:52
